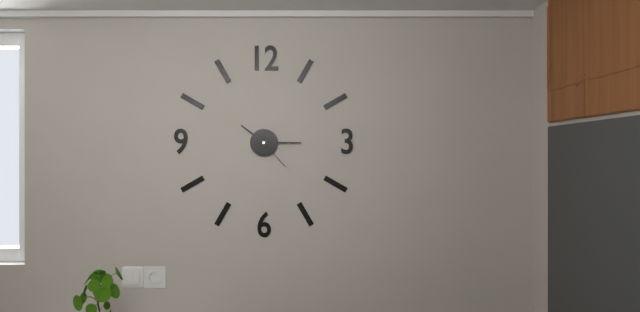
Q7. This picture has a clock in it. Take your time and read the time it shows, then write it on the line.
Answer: 10:15
